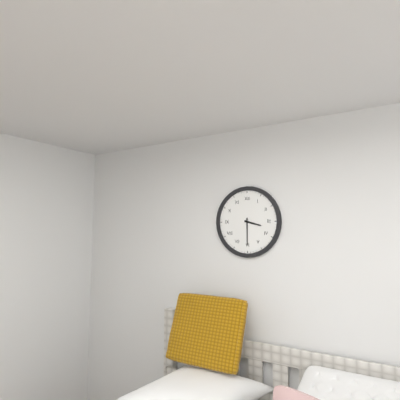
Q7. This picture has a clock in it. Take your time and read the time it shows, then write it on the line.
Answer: 3:30
